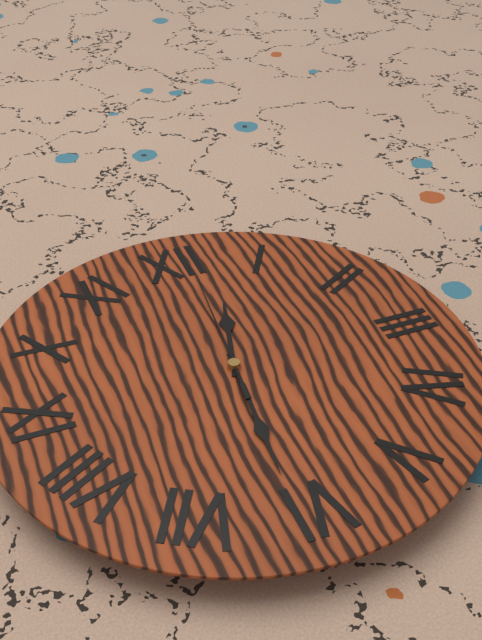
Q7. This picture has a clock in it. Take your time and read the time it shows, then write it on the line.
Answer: 12:31:01
